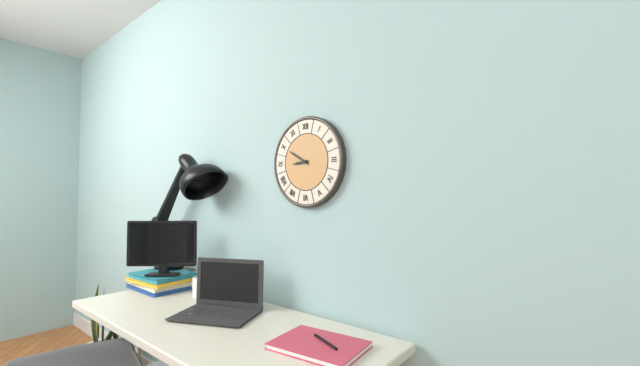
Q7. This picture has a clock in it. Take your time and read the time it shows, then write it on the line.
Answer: 8:50
